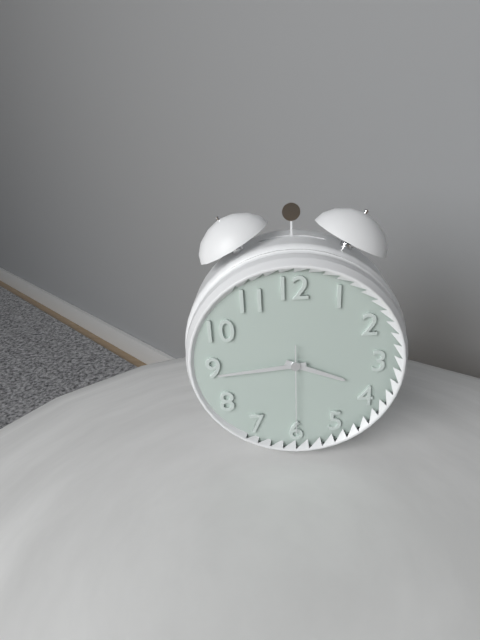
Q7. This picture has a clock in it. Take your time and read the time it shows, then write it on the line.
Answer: 3:44:30
